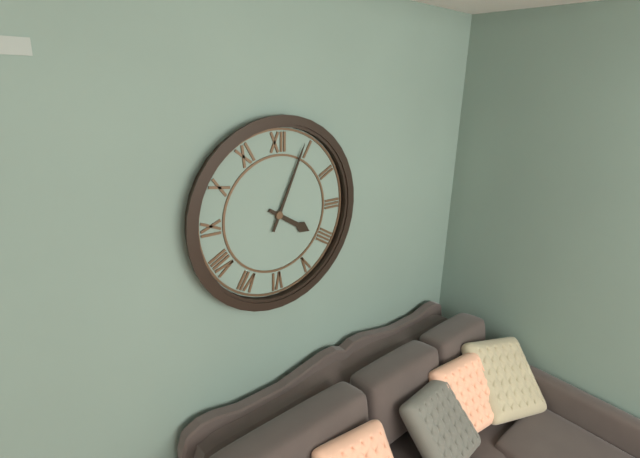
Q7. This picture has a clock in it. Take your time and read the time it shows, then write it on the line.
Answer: 4:04
